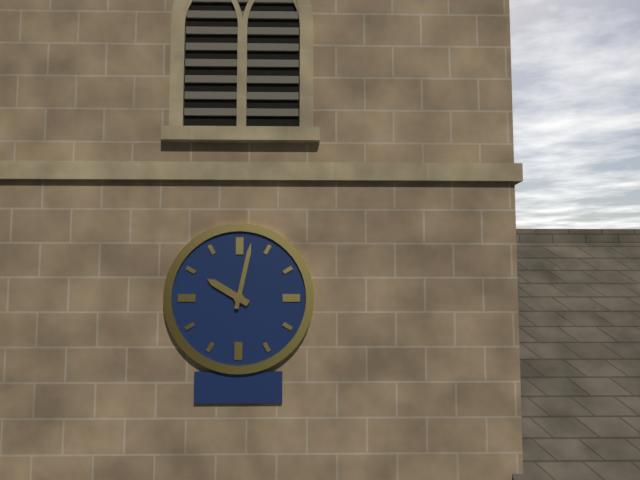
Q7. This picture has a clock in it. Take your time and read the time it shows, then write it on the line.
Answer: 10:02
